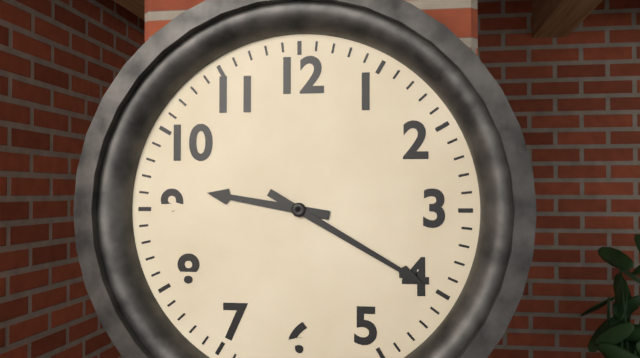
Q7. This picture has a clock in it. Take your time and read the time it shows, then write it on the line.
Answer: 9:20
